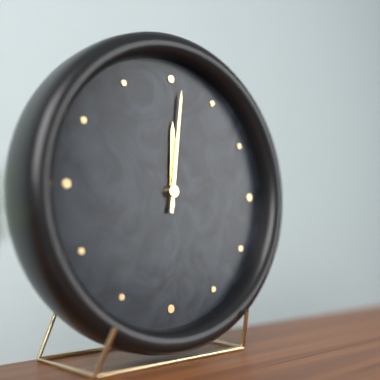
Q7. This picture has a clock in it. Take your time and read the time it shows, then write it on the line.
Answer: 12:01
